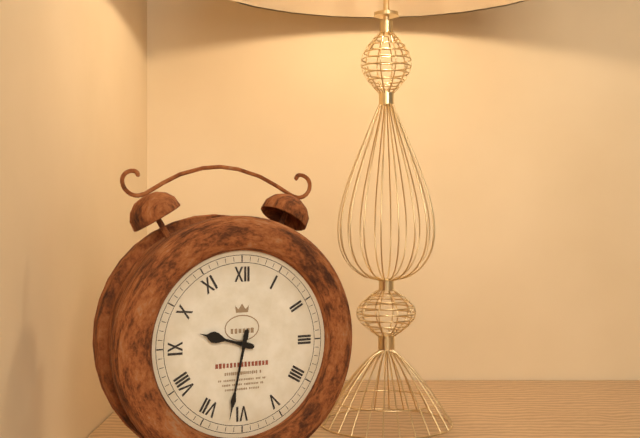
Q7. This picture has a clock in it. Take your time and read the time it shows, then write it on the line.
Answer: 9:32
